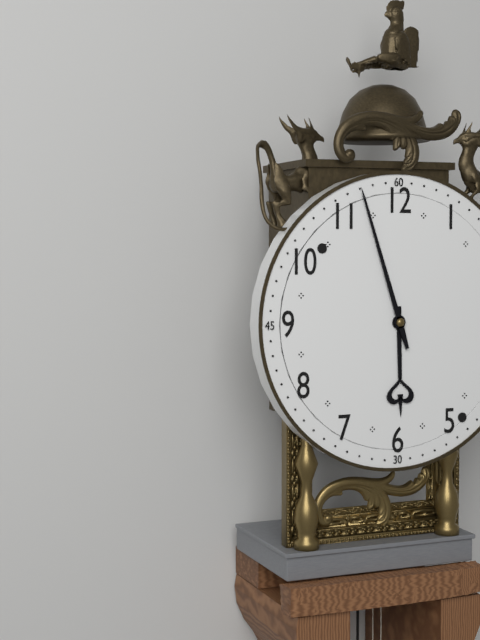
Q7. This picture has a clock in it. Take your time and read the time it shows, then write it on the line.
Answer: 5:57
